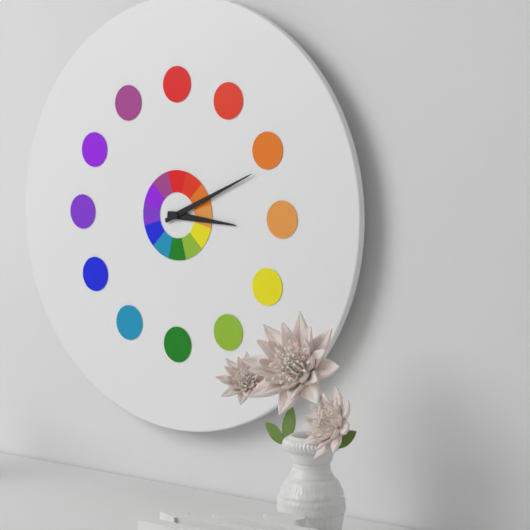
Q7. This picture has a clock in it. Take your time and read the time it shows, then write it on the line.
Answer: 3:11
